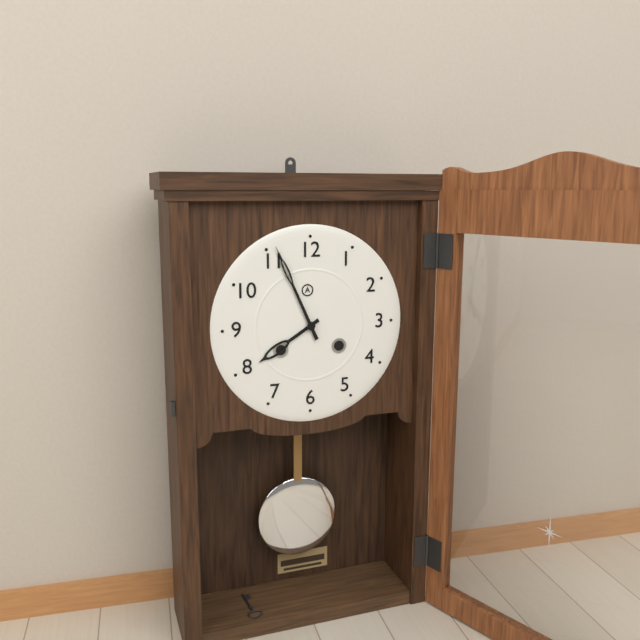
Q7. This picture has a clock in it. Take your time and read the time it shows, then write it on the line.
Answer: 7:56
